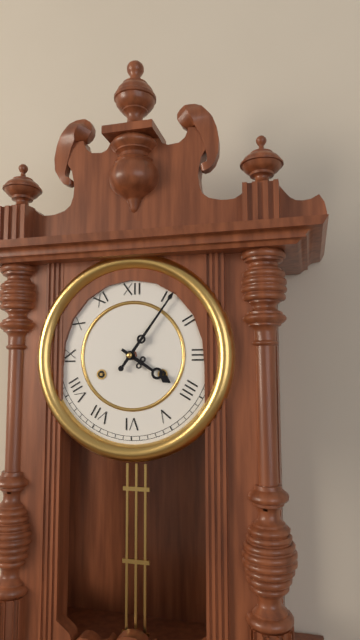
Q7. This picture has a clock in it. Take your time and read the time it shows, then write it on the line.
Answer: 4:06
